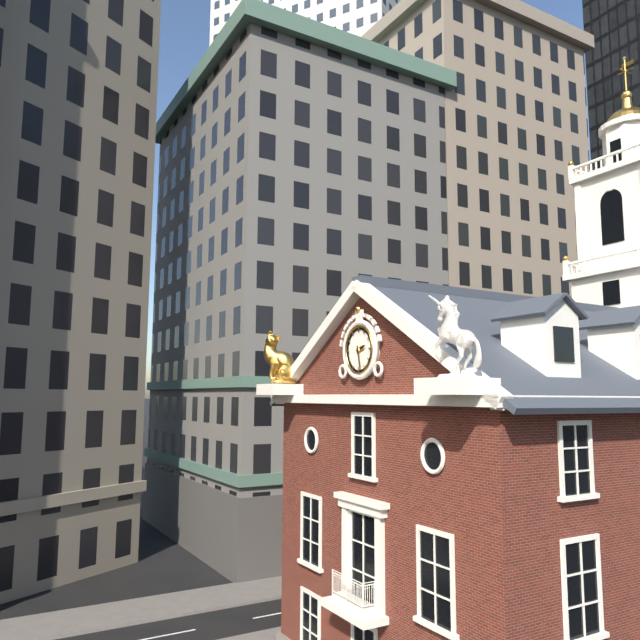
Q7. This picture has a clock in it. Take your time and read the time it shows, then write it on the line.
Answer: 2:28
